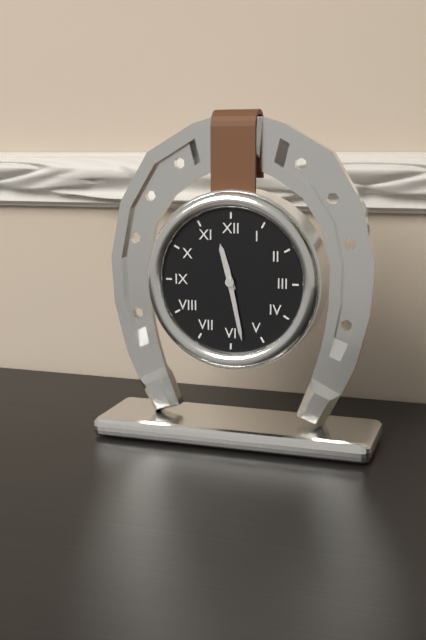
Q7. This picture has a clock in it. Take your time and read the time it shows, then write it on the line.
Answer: 11:28
